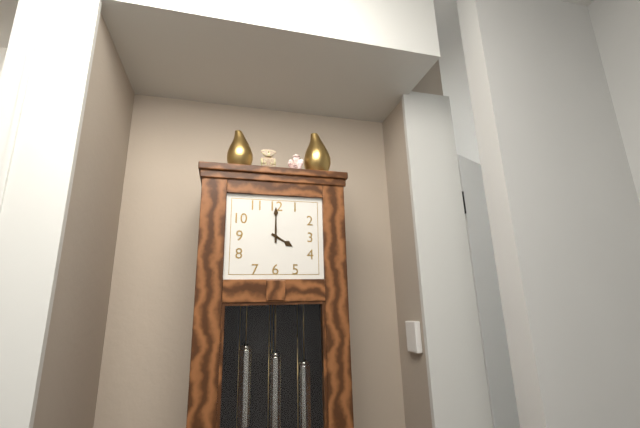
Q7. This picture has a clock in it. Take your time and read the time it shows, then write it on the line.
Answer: 4:00
